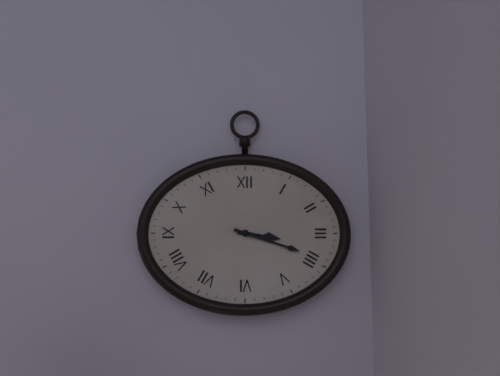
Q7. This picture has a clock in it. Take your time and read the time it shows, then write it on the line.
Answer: 3:18
